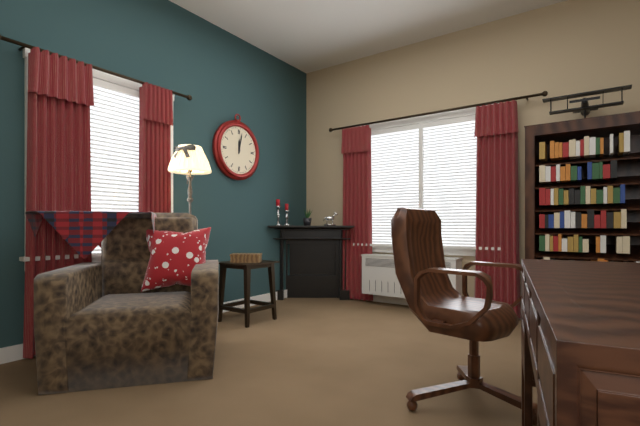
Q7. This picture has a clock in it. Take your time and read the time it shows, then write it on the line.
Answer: 12:02
